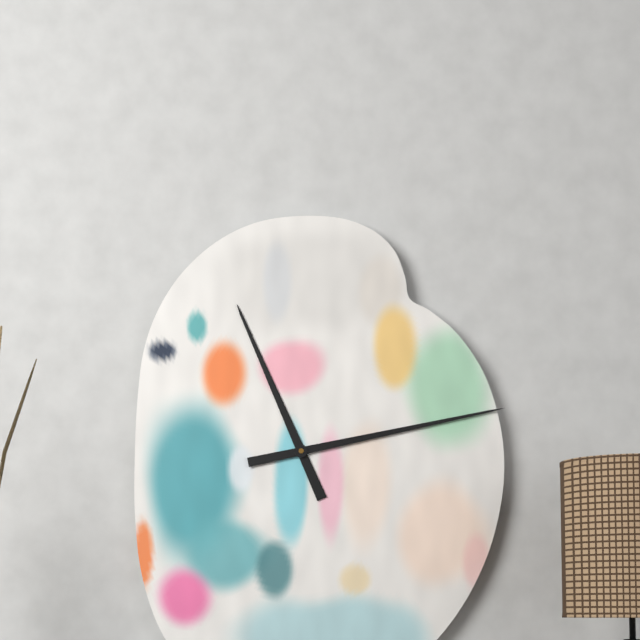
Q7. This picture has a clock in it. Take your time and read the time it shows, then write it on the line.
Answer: 11:13
